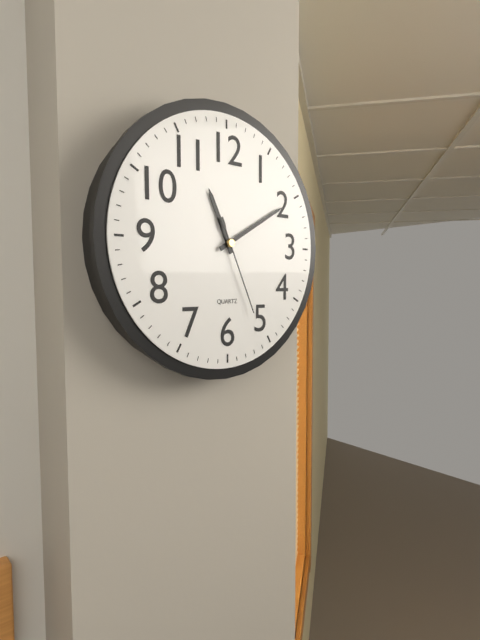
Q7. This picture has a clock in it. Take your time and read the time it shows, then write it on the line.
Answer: 11:10:26
